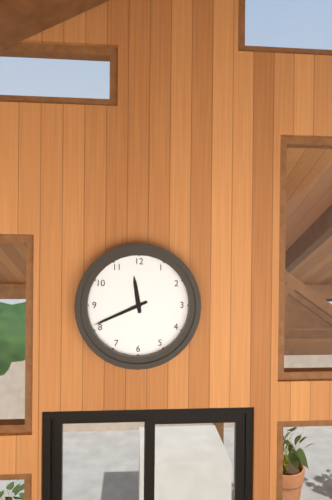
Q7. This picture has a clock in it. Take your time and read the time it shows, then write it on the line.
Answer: 11:41
